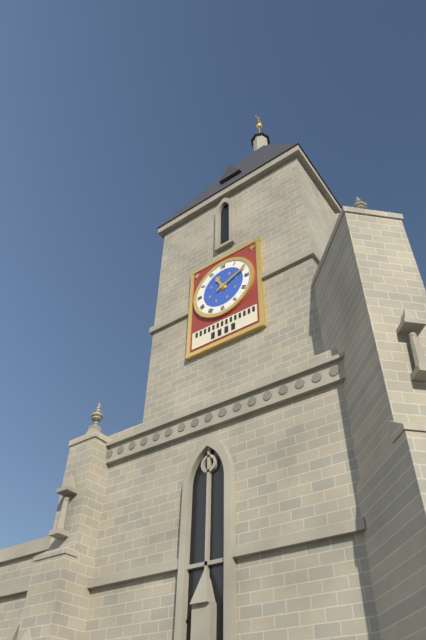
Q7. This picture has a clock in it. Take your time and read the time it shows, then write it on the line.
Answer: 11:11
